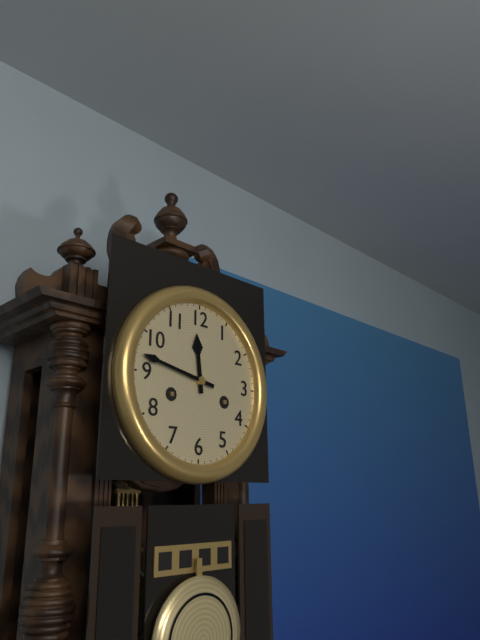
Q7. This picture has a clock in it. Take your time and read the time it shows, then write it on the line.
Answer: 11:47
